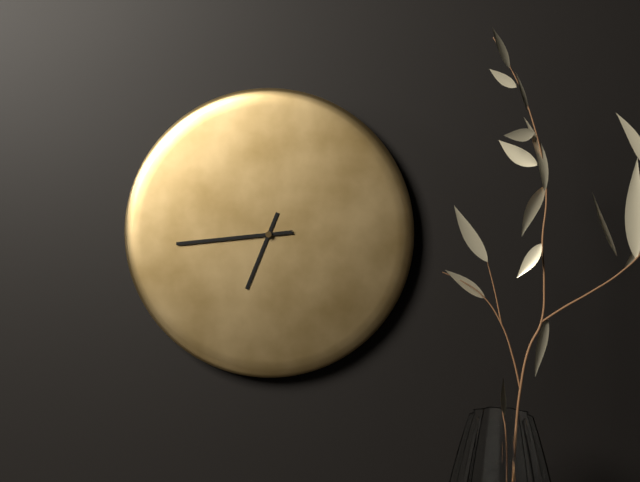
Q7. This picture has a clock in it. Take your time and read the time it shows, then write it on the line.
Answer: 6:44
